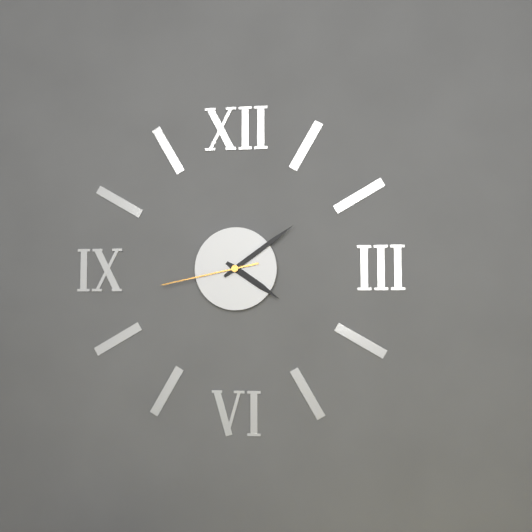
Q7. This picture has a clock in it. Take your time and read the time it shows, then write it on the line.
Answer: 4:09:43
